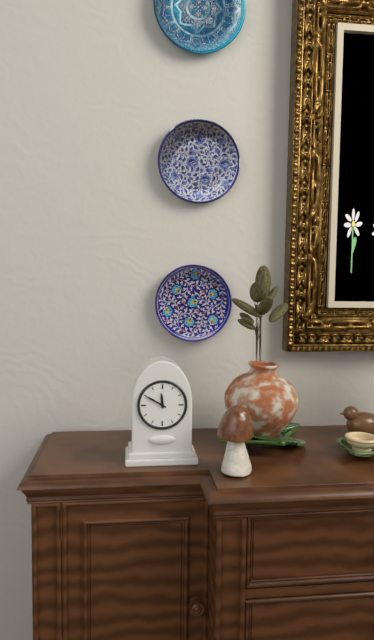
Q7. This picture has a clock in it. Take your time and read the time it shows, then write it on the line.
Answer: 11:50
